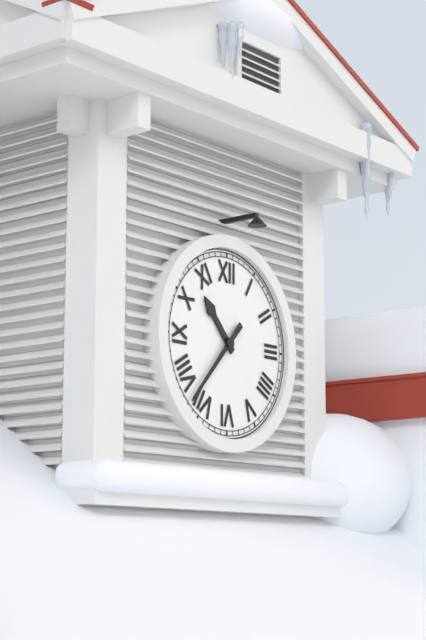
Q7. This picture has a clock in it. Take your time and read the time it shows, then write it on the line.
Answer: 10:37
